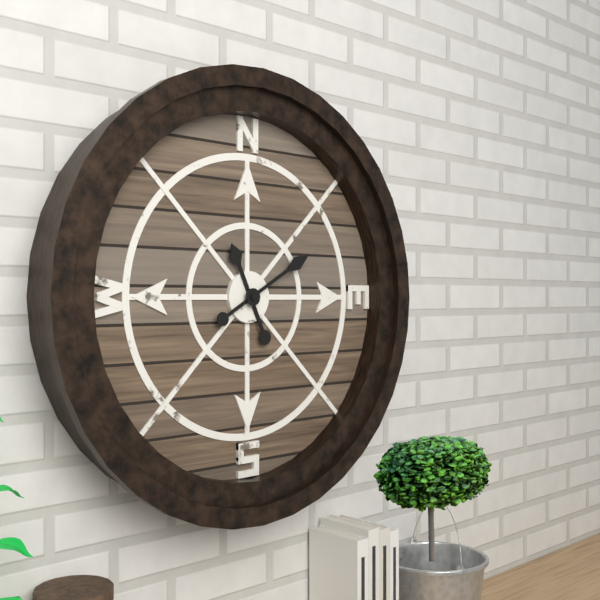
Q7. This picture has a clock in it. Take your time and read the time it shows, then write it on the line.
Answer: 11:10
